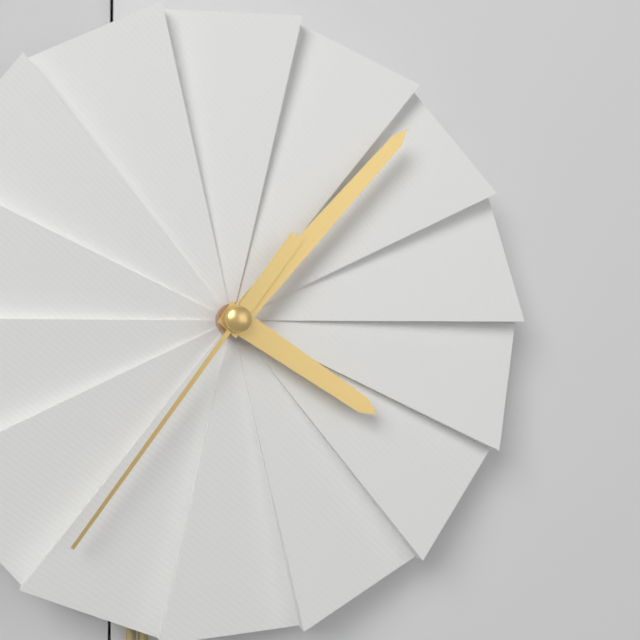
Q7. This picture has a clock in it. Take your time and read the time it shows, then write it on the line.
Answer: 4:07:36
